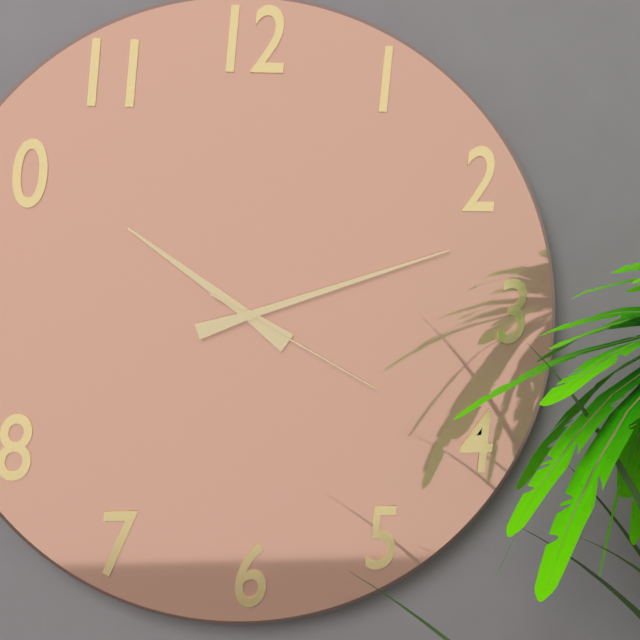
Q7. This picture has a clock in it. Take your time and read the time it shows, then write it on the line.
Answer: 10:12:20
